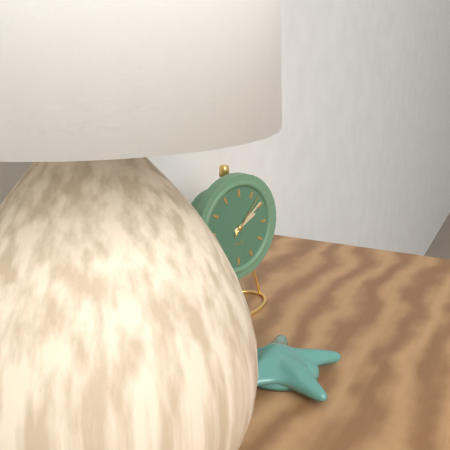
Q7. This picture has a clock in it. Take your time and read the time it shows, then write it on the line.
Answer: 2:09:07
